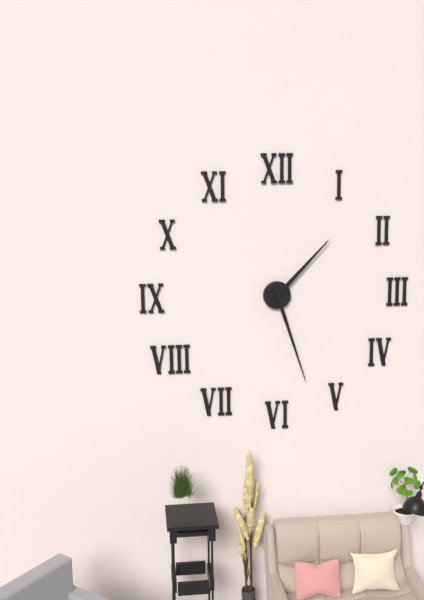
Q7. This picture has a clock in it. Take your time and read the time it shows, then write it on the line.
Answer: 1:27
